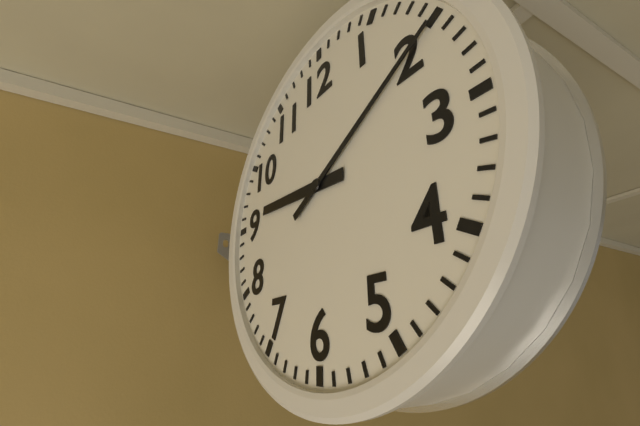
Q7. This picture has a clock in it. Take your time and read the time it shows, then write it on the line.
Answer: 9:10
